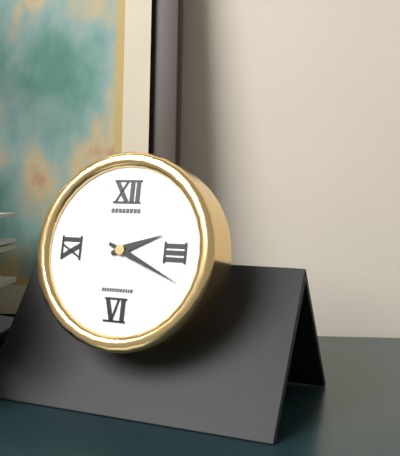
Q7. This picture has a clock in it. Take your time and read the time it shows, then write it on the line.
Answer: 2:19
